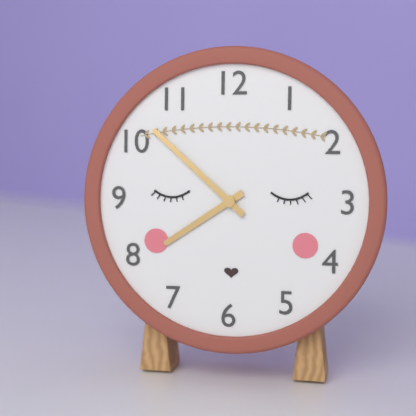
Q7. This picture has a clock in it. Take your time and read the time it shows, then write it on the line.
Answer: 7:52
